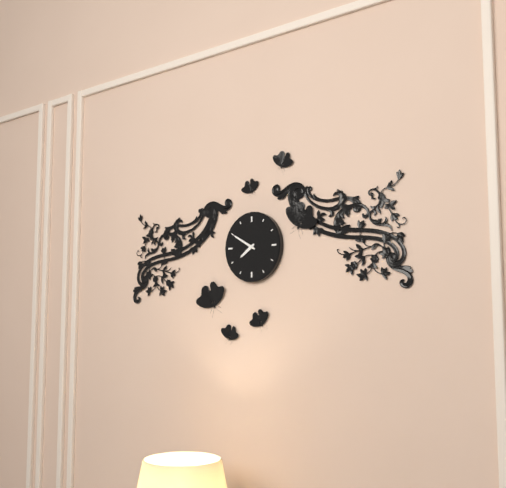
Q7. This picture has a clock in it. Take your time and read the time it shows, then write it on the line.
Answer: 7:50
